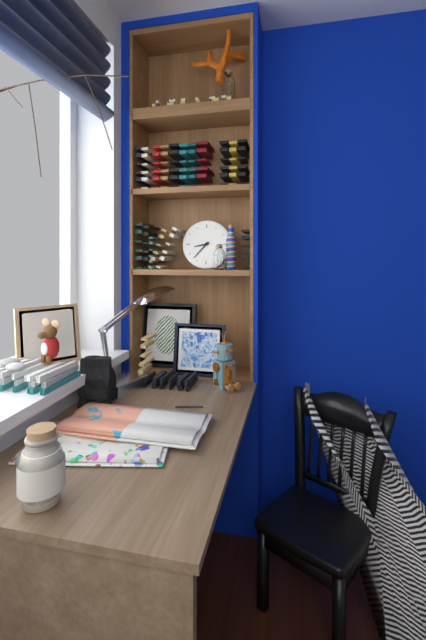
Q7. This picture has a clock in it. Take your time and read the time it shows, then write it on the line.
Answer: 8:37
